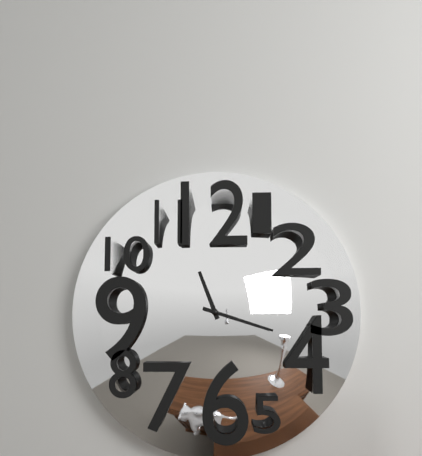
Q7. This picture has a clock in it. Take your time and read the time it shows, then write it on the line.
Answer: 11:18
